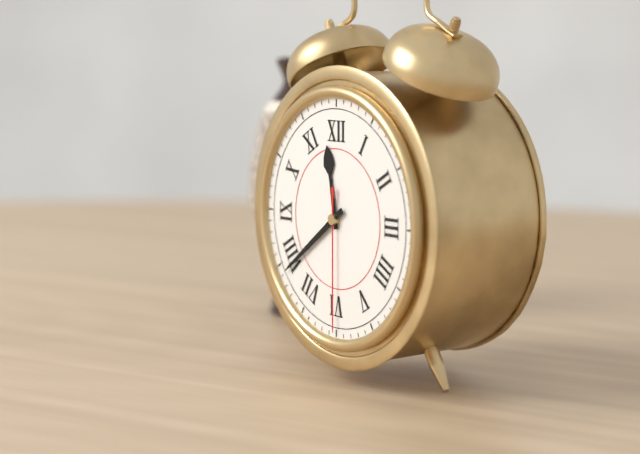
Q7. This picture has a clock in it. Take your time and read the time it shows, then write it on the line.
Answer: 11:39:30
